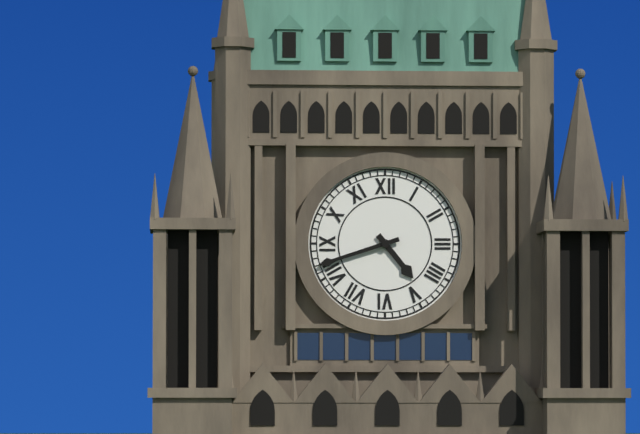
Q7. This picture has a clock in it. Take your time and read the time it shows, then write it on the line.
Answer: 4:42
